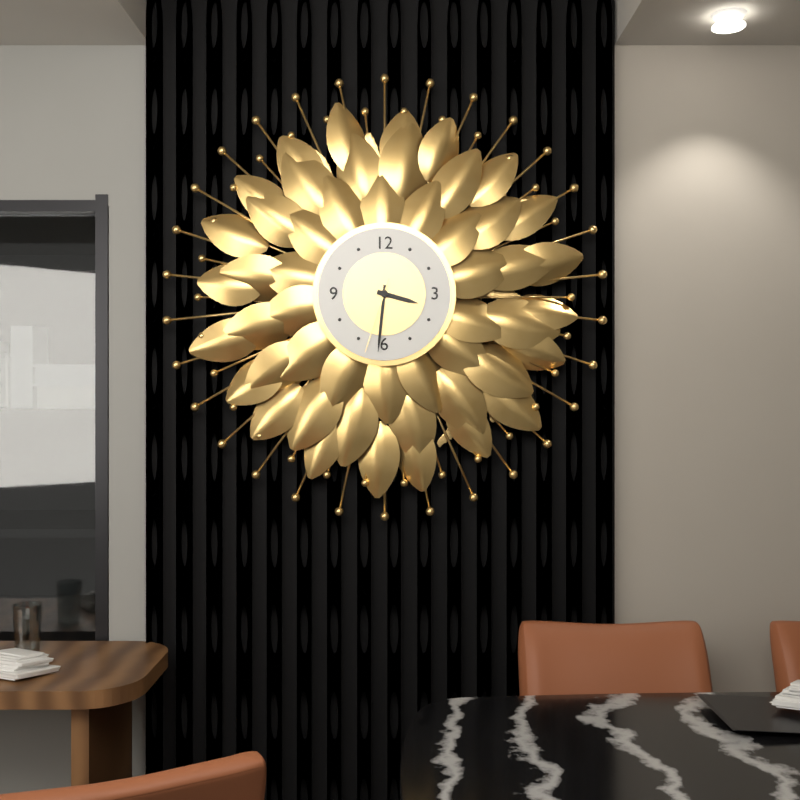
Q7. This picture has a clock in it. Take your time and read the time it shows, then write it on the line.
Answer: 3:31:33
